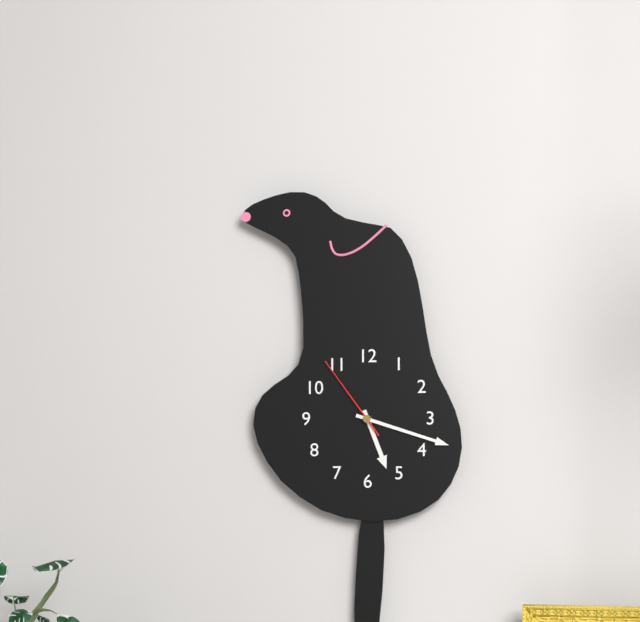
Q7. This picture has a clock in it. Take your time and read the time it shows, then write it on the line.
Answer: 5:18:54
